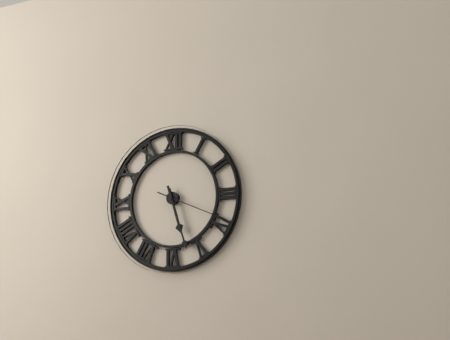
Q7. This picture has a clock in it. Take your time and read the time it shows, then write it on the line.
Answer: 5:27:19
